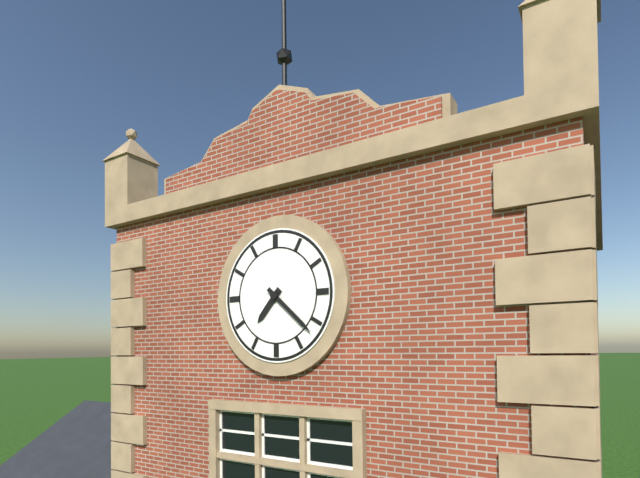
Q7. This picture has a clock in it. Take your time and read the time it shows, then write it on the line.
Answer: 7:22
